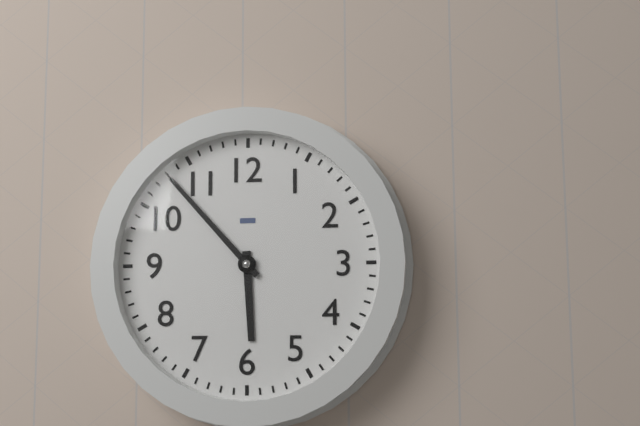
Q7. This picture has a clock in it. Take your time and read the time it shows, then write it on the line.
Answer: 5:53
